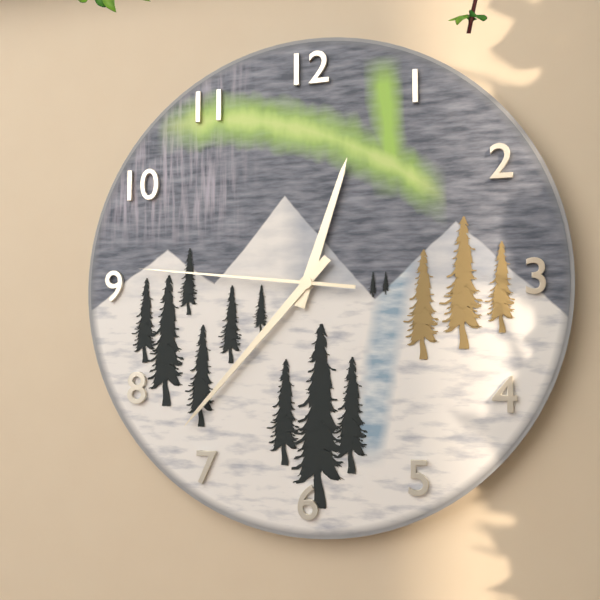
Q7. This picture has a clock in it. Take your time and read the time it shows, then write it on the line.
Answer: 12:37:46
